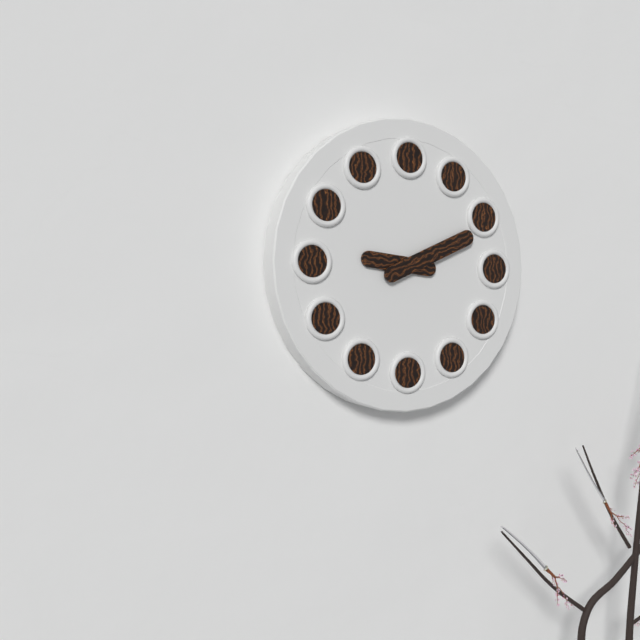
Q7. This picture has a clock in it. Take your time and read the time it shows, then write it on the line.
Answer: 9:11
